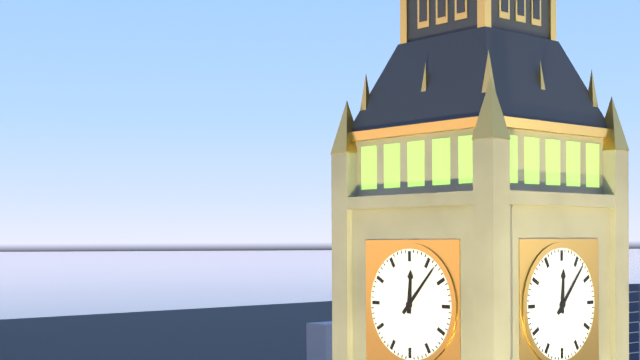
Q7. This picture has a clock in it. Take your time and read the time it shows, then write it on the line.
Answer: 12:07
